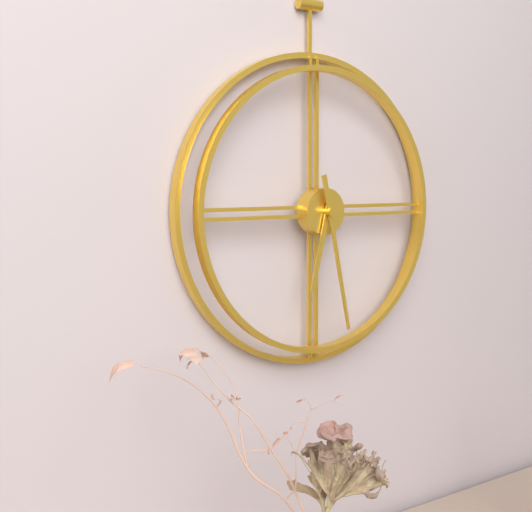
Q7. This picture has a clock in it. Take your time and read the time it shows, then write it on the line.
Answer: 6:28
